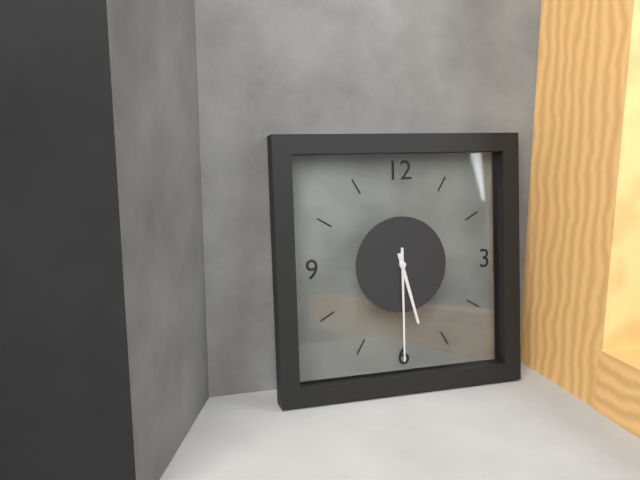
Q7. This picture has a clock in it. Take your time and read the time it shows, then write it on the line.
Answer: 5:30
